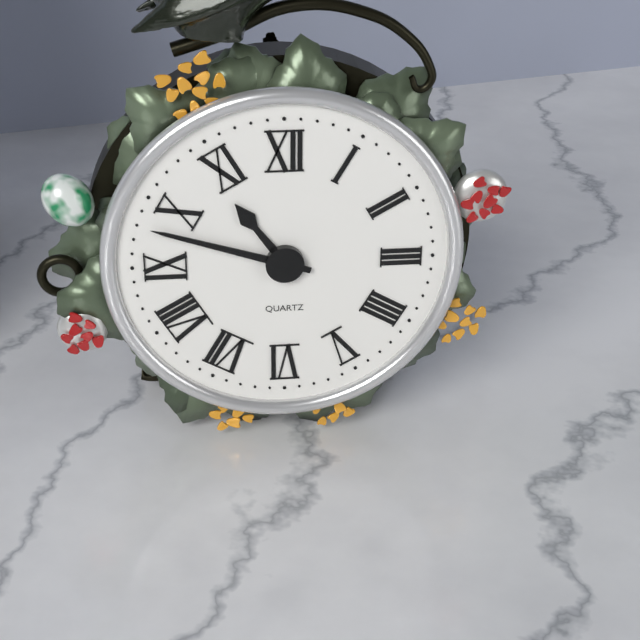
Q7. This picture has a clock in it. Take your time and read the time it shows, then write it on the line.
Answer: 10:48
